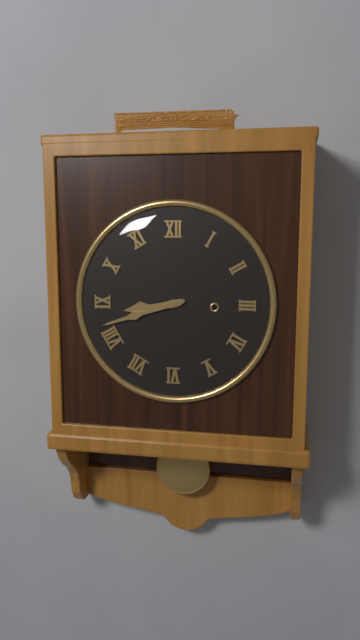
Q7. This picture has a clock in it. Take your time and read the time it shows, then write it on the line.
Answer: 8:42
